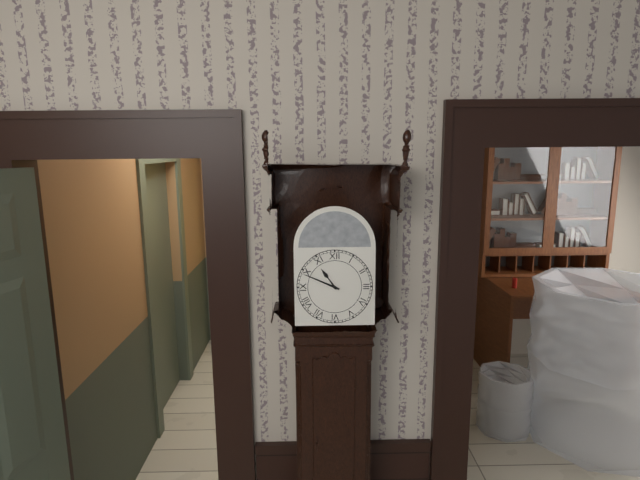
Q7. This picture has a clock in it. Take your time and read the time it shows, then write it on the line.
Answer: 10:49
